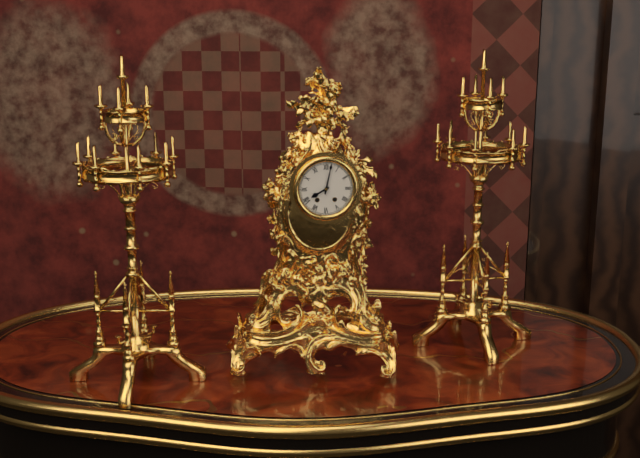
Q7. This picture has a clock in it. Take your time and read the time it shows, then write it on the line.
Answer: 8:02
